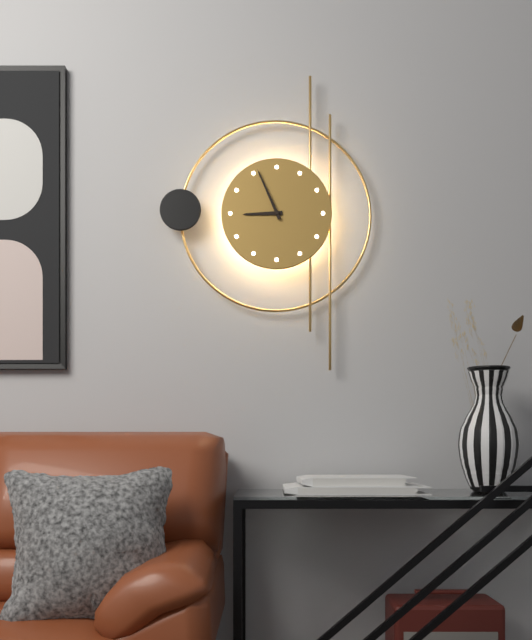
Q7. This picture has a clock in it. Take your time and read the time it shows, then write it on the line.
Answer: 8:56
